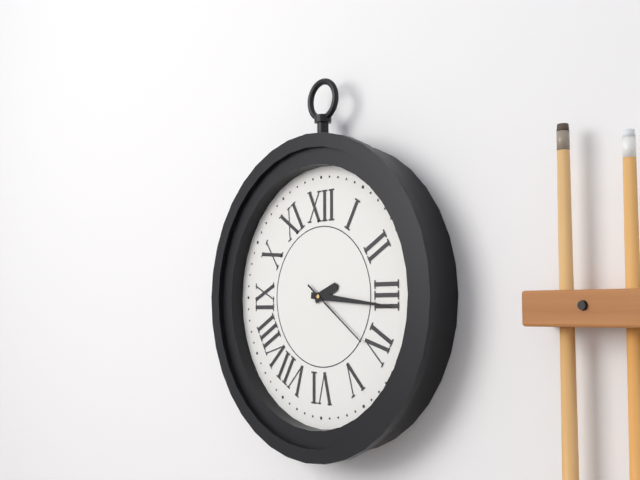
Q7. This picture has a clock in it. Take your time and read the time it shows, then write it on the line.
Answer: 2:16:21
